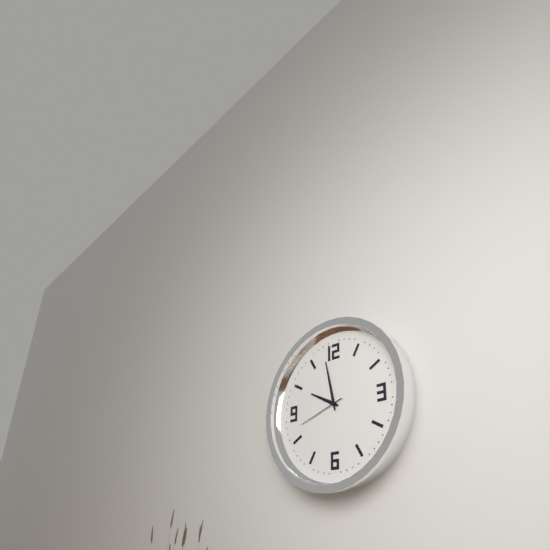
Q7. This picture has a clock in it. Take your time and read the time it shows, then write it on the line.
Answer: 9:58
